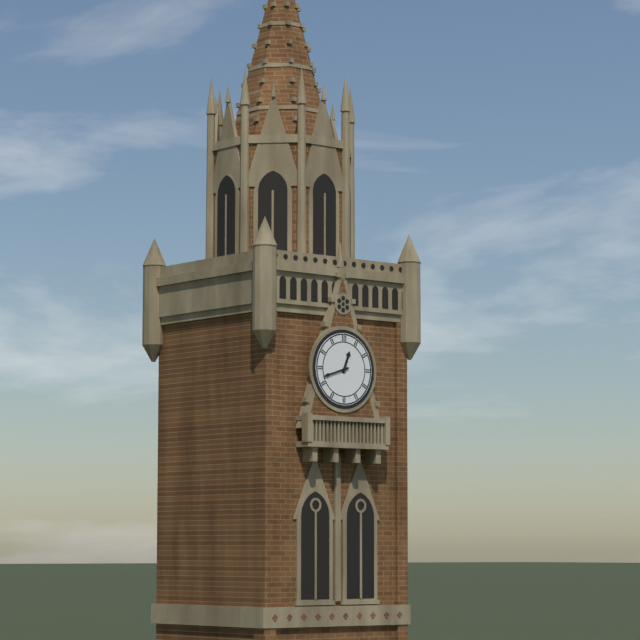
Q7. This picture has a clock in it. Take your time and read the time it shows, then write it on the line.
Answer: 12:42
